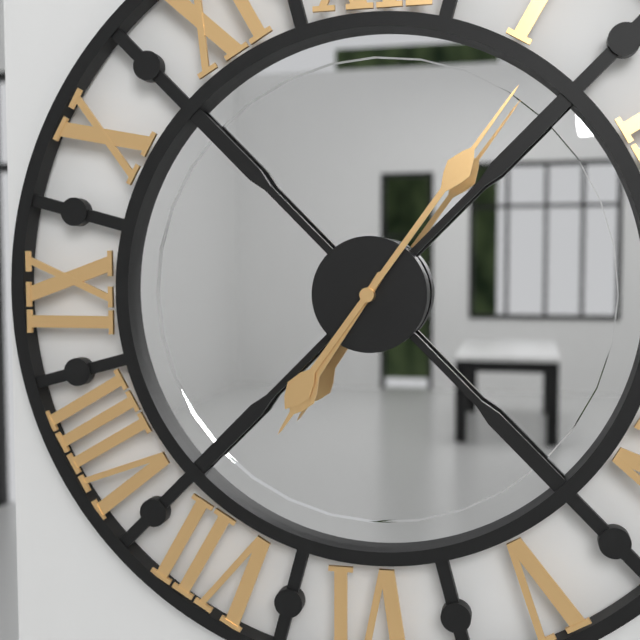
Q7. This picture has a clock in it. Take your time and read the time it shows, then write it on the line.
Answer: 7:06
